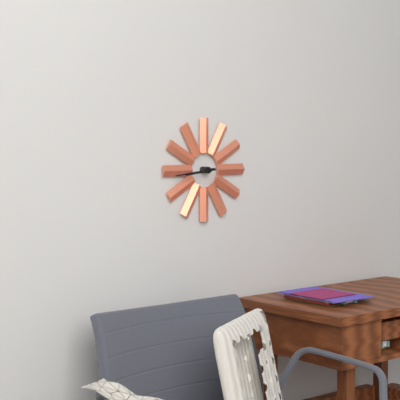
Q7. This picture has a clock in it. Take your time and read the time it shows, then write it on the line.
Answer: 8:44
